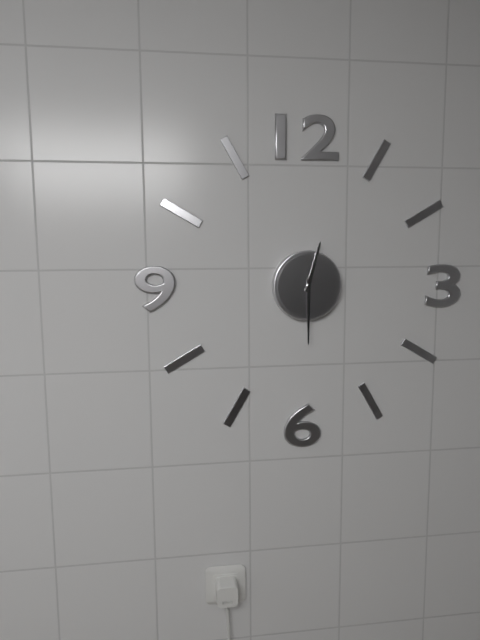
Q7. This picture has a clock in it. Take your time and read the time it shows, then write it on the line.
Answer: 12:30
